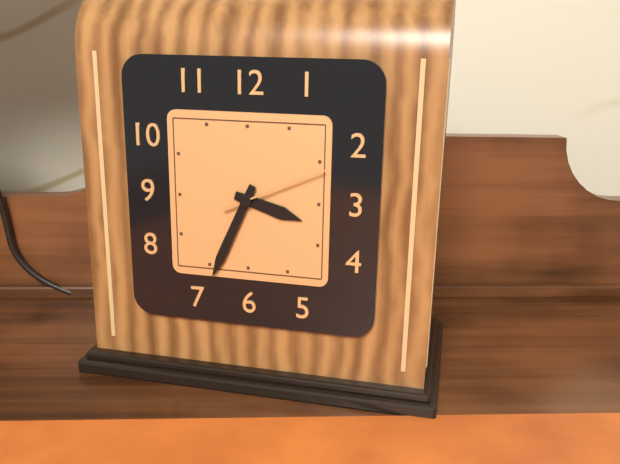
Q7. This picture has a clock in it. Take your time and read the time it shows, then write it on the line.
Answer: 3:34:11
